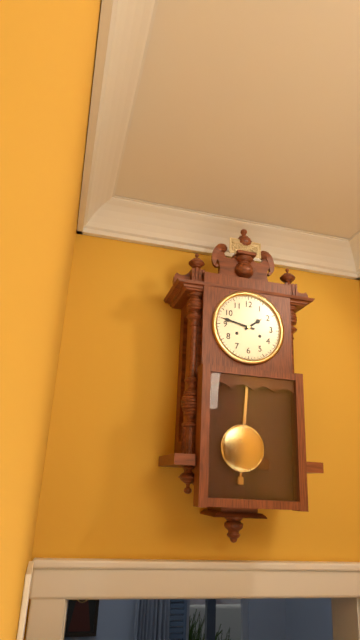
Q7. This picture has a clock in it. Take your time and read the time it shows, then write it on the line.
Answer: 1:47
